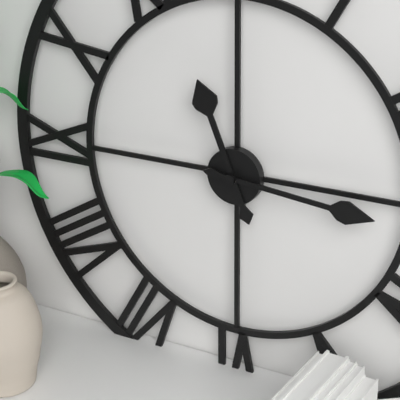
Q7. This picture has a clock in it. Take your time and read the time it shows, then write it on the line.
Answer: 11:16
